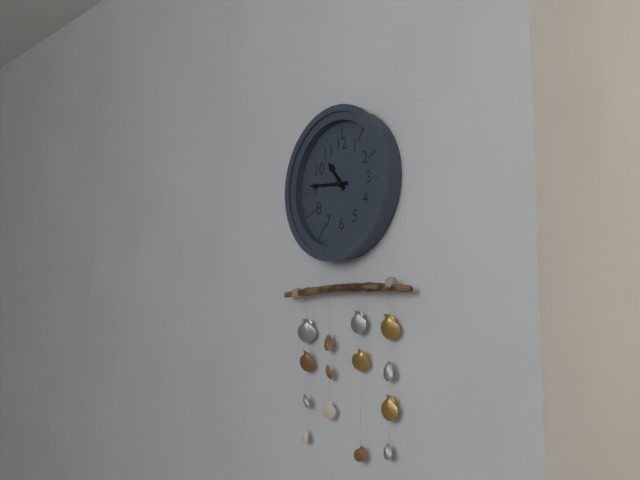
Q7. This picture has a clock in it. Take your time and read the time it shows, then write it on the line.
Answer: 10:46
